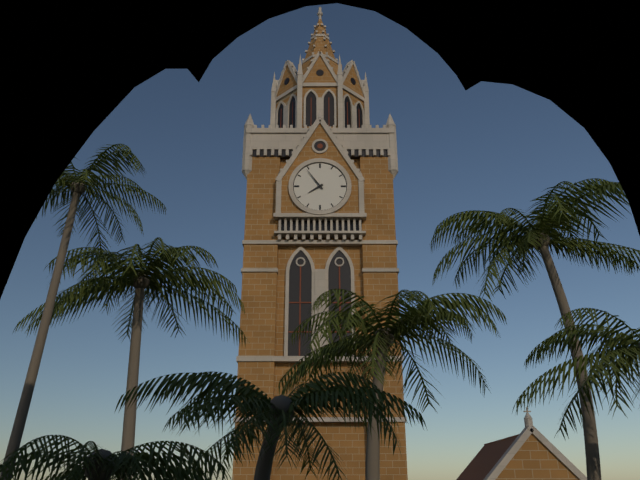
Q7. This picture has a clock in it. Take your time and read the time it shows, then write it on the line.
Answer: 7:54
